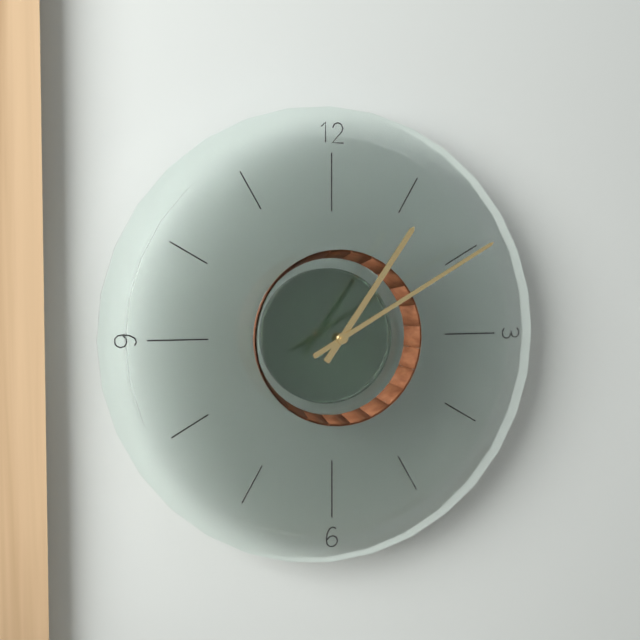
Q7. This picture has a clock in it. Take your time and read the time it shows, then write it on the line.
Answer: 1:10
